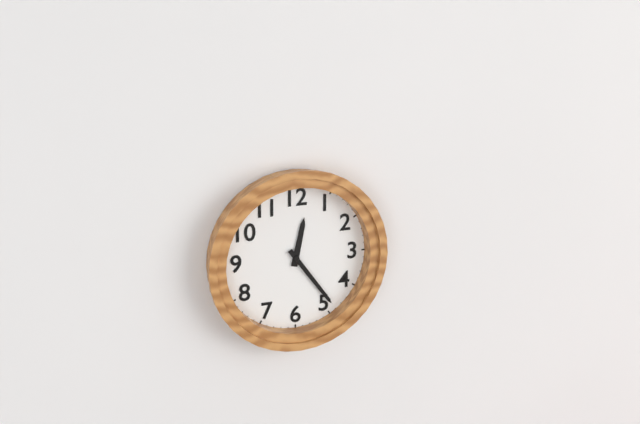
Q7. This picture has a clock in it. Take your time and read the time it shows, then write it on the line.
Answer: 12:24
